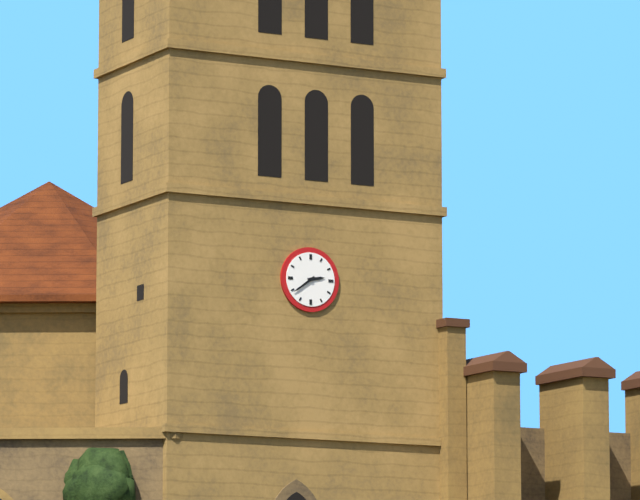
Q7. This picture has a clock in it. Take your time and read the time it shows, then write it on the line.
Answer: 2:39
